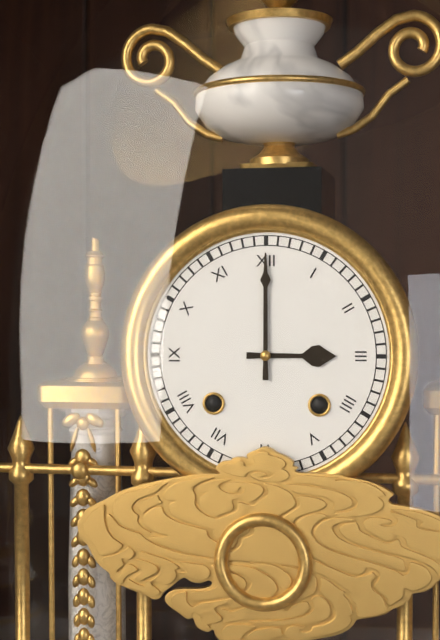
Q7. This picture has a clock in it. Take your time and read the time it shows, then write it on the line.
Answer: 3:00
